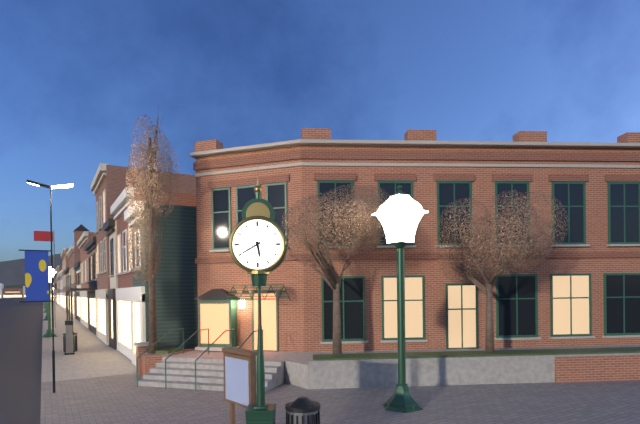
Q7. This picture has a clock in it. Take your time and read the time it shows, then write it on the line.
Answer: 5:40
